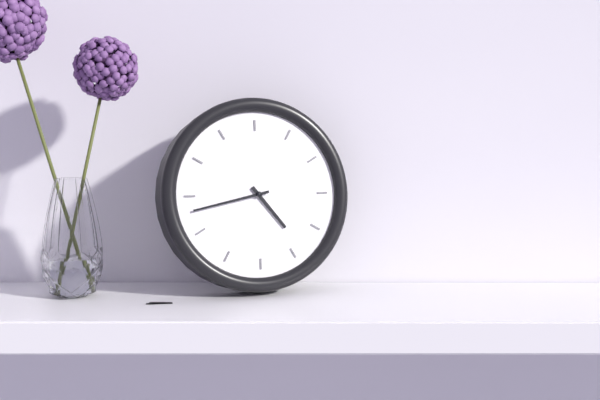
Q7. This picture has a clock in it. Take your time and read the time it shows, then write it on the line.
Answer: 4:43
